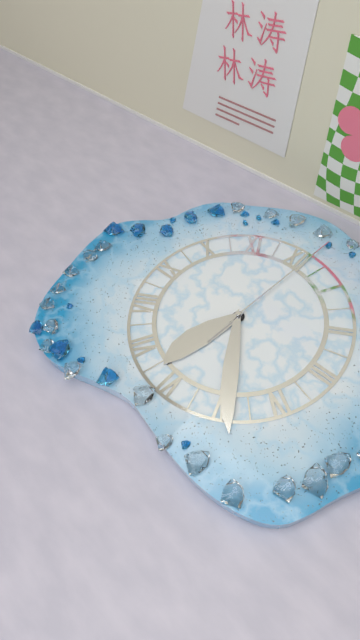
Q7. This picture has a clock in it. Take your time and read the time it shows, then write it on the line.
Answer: 6:24:01
